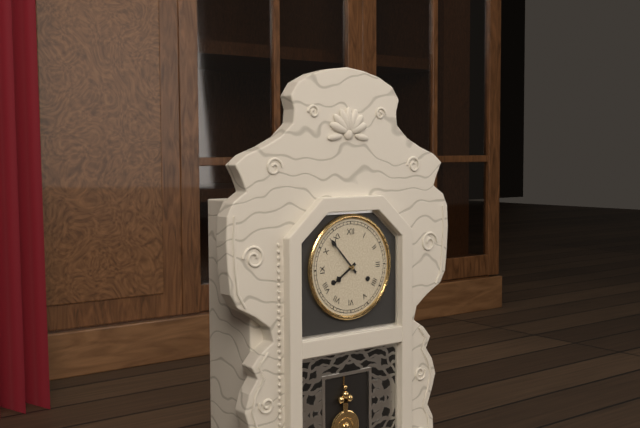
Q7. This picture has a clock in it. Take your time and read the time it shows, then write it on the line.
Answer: 7:53
